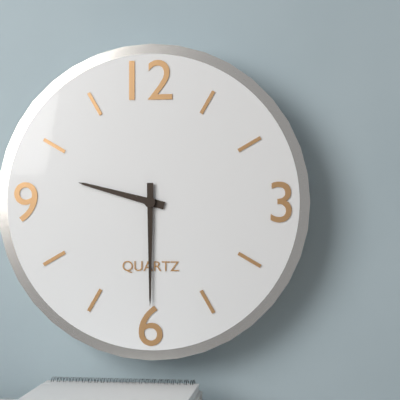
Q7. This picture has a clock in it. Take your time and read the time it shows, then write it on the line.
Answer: 9:30
